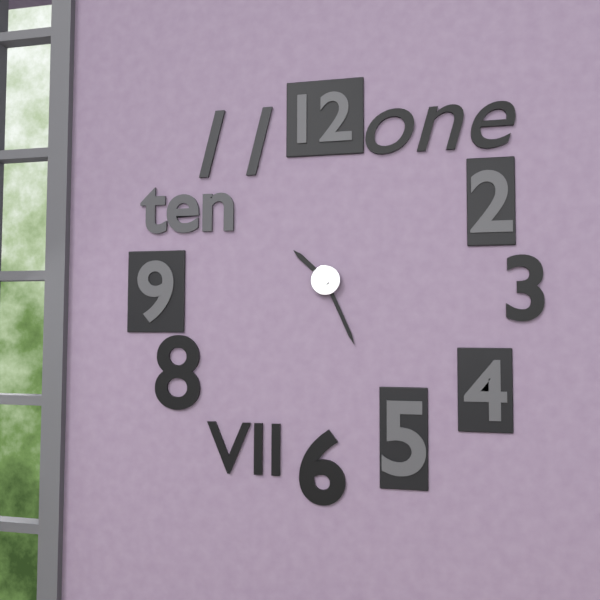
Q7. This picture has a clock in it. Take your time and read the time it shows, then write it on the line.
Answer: 10:26
